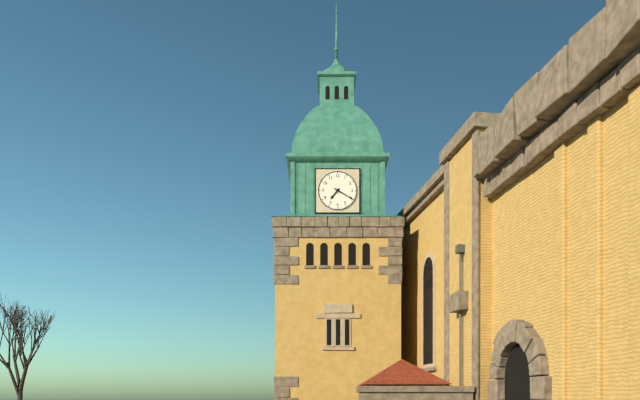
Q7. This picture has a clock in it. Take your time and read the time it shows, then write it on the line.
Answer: 7:20
